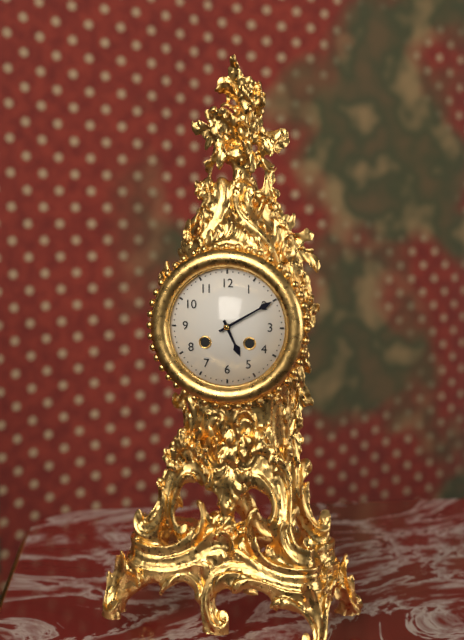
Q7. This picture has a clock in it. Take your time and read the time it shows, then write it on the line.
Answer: 5:10
